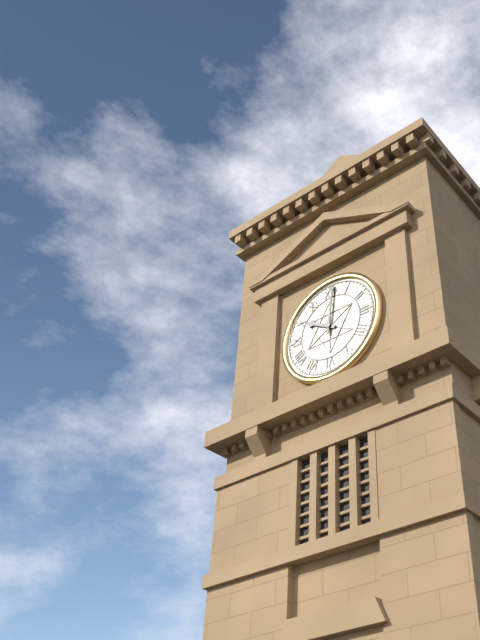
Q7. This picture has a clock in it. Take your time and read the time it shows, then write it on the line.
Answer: 10:01
